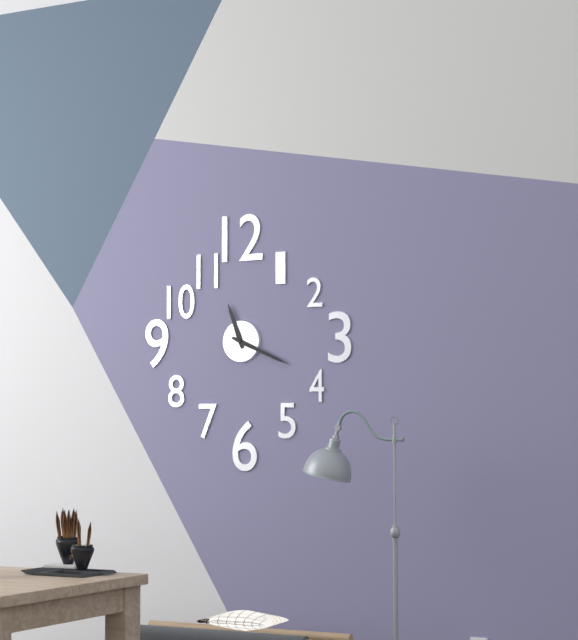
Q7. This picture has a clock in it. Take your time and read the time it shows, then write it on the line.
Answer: 11:19
